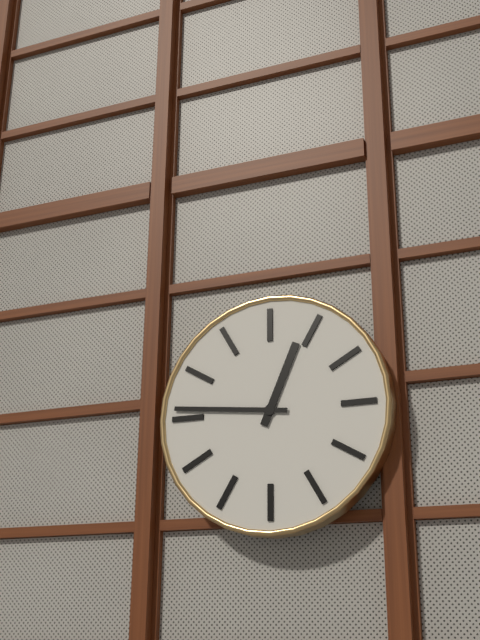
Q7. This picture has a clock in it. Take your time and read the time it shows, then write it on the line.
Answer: 12:46
